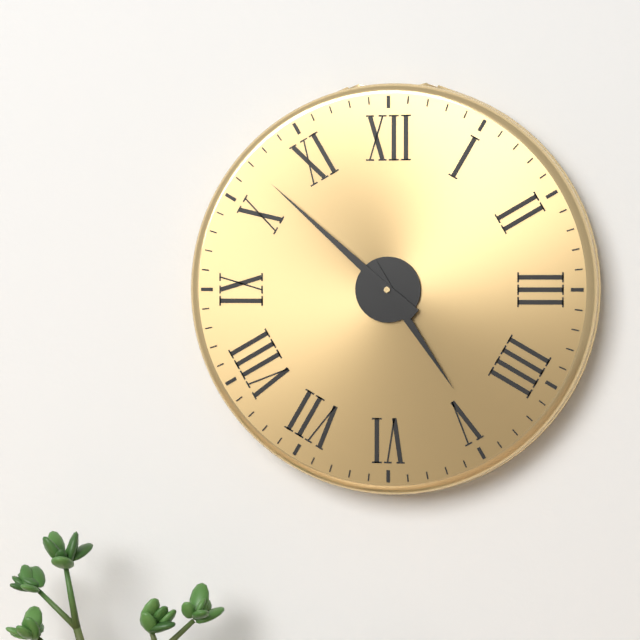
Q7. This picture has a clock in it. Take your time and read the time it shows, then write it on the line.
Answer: 4:52
